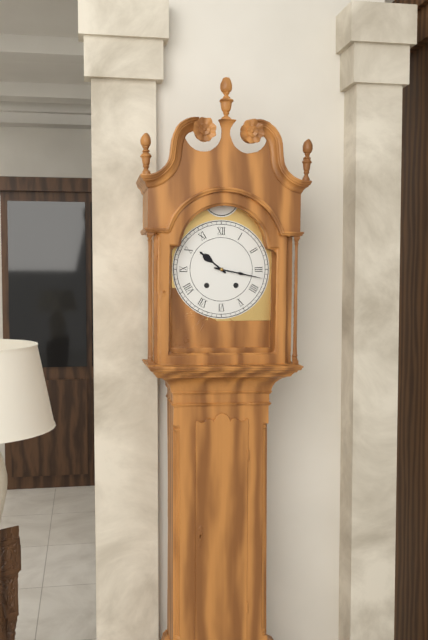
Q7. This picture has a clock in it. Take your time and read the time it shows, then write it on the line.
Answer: 10:17
